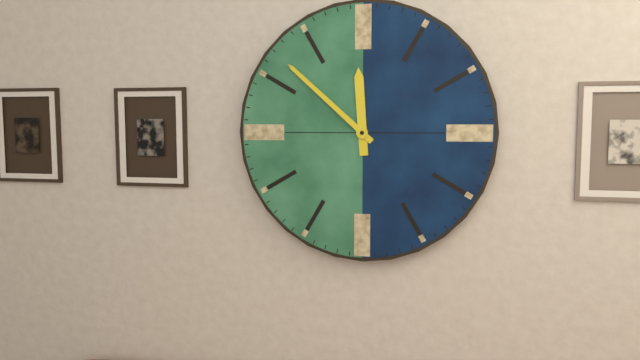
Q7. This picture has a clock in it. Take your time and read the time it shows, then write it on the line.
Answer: 11:52
